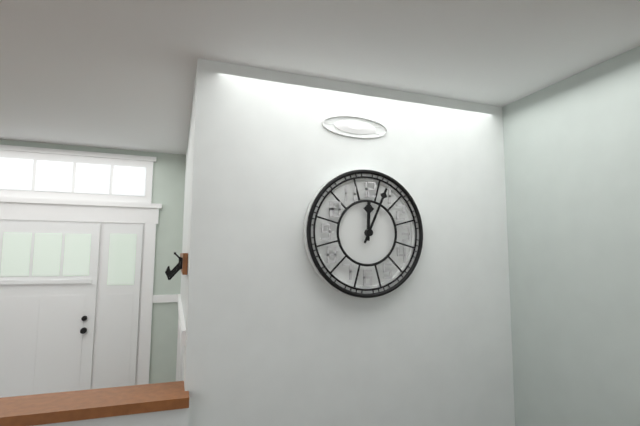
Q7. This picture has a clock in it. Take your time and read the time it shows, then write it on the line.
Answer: 12:04
